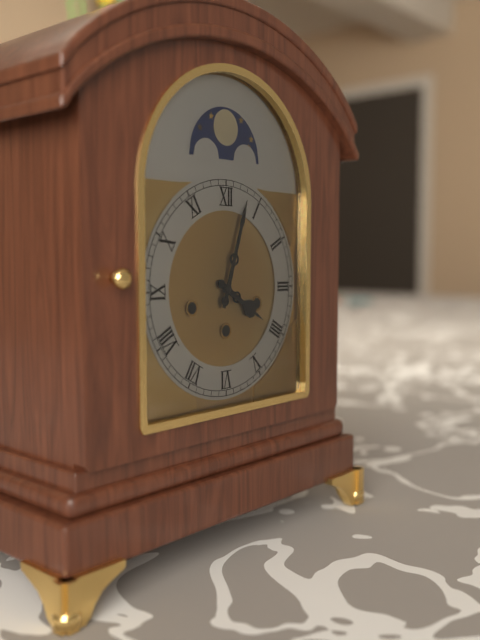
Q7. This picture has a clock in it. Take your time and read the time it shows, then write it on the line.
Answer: 4:03
